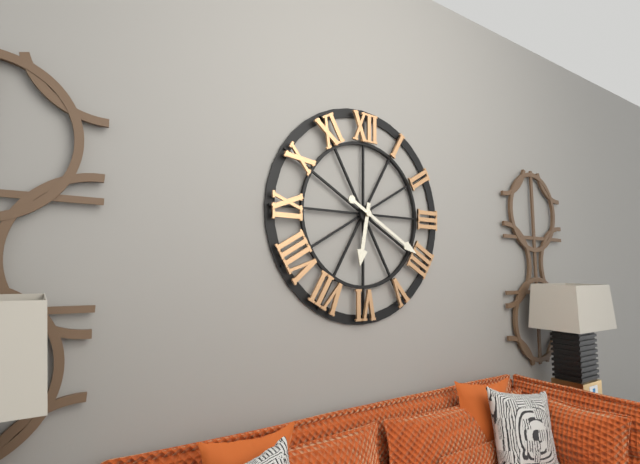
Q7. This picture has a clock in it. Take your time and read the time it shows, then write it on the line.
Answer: 6:20
